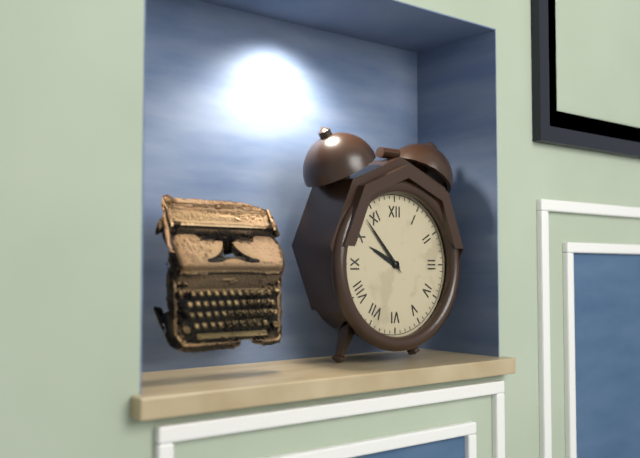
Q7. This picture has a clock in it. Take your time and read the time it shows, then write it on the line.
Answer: 9:53
